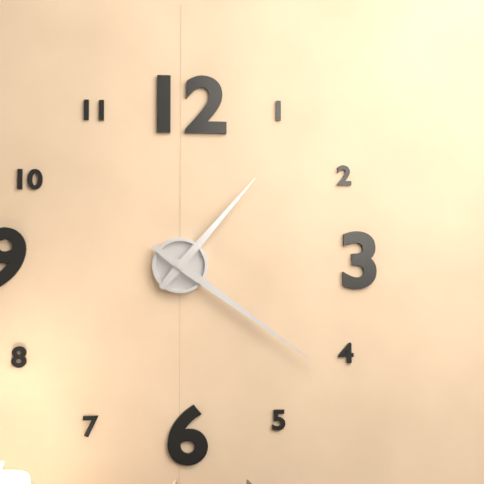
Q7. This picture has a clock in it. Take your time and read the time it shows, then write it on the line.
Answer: 1:21
